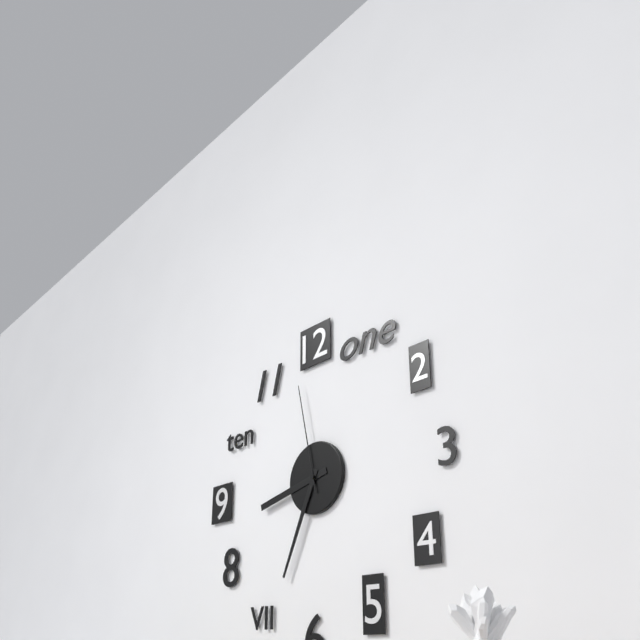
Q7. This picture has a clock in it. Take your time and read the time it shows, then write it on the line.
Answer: 8:34:58
